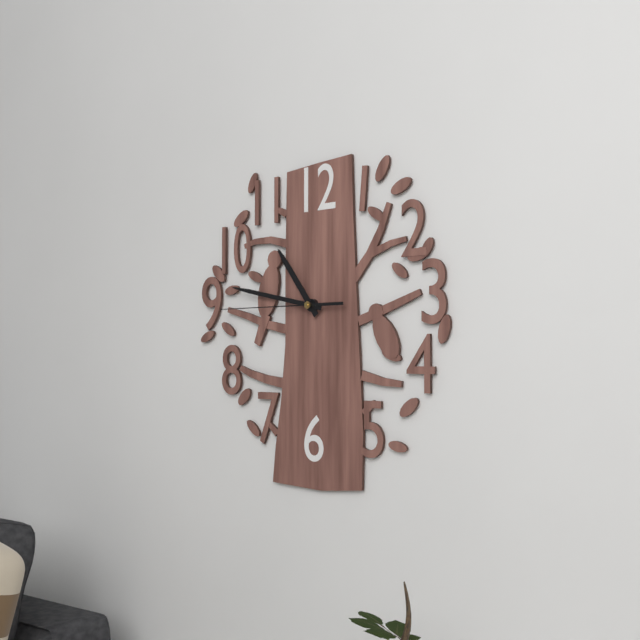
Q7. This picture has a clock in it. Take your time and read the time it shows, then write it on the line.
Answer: 10:47:45
